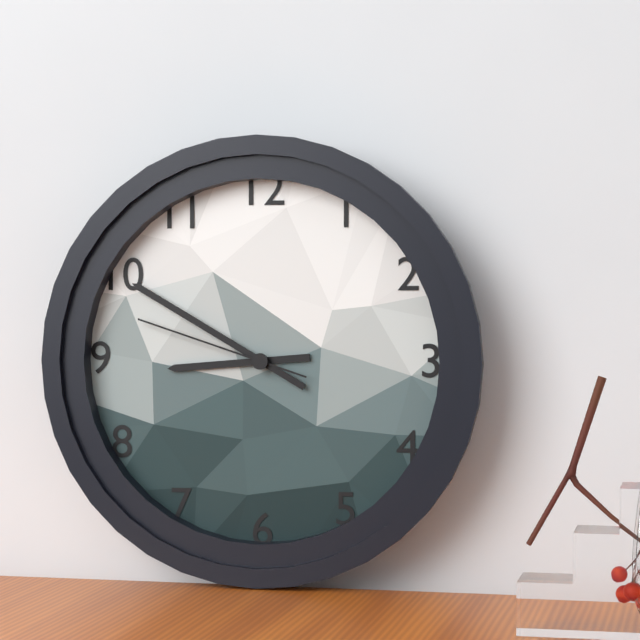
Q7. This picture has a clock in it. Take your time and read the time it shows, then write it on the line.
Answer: 8:50:48
